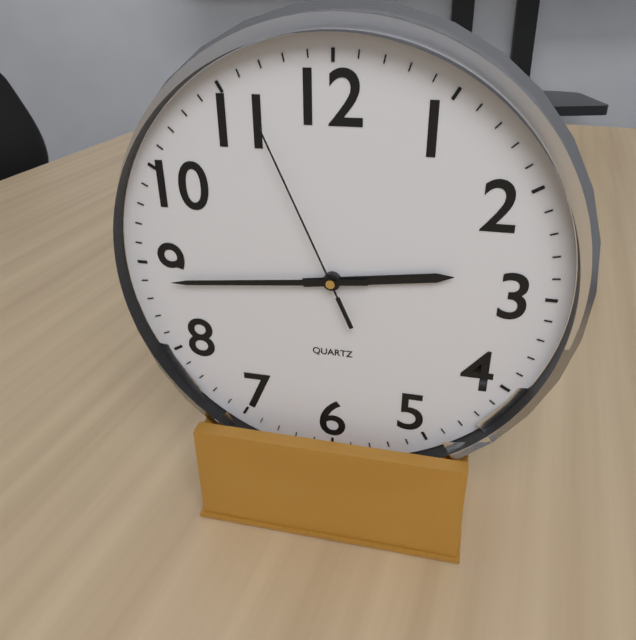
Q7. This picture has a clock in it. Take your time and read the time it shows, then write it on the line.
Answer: 2:44:56
